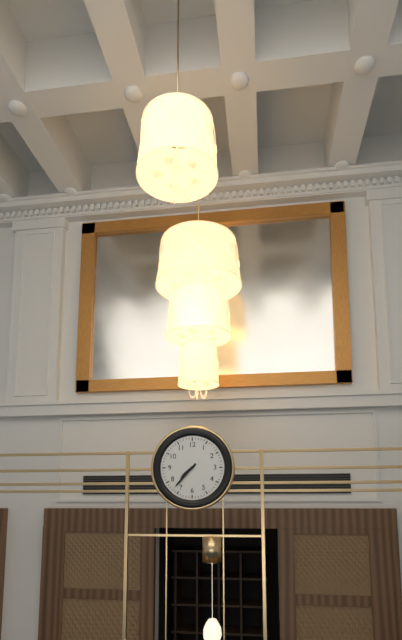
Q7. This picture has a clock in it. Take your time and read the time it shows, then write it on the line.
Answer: 7:37
